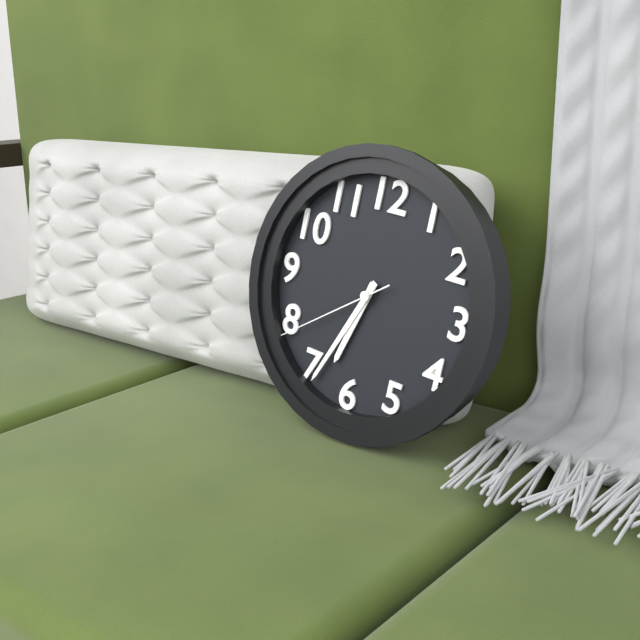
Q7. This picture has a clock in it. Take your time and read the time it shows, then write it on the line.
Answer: 6:34:39
